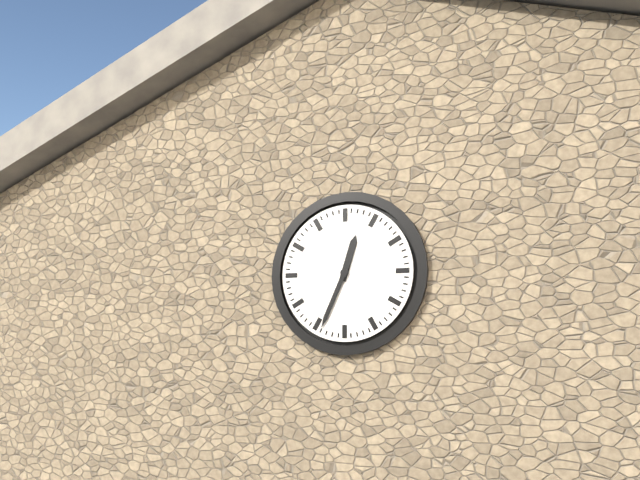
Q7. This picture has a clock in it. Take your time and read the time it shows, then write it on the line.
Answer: 12:34
